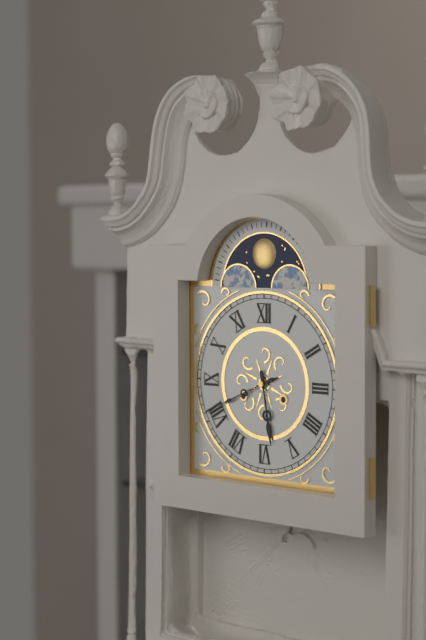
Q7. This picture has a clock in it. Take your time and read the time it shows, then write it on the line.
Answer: 5:41
